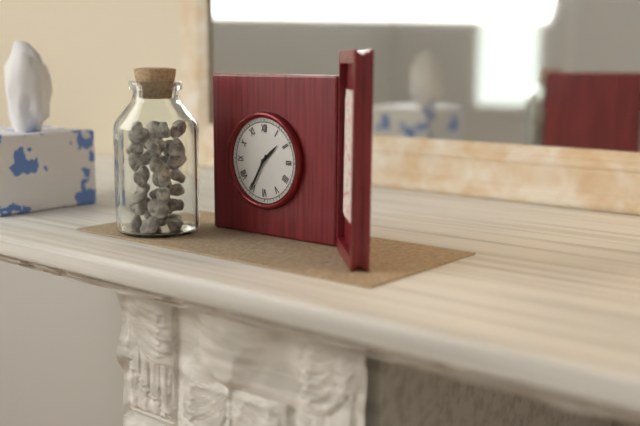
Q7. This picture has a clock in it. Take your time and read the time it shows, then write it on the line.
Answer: 1:35
